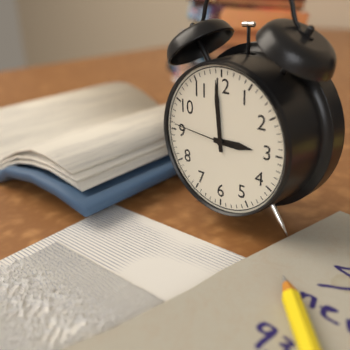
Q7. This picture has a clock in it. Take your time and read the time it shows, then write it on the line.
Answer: 2:59:46
